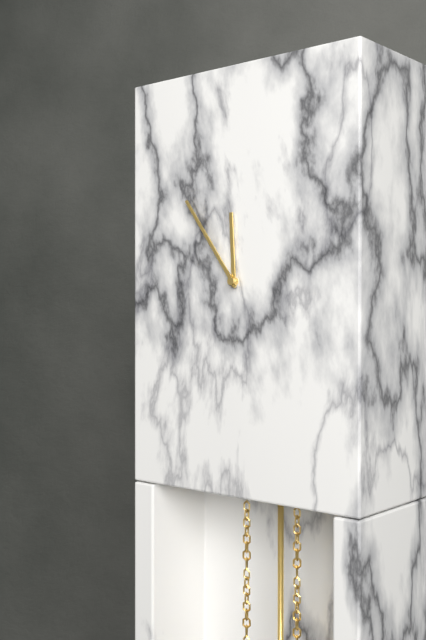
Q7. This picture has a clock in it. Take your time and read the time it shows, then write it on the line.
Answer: 11:54
